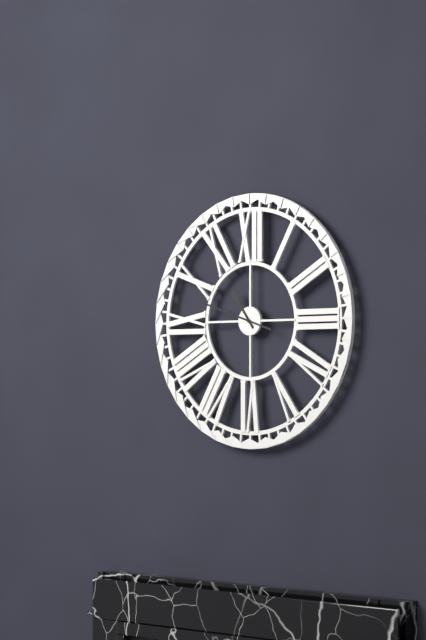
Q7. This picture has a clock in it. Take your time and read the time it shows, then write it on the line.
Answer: 10:48
